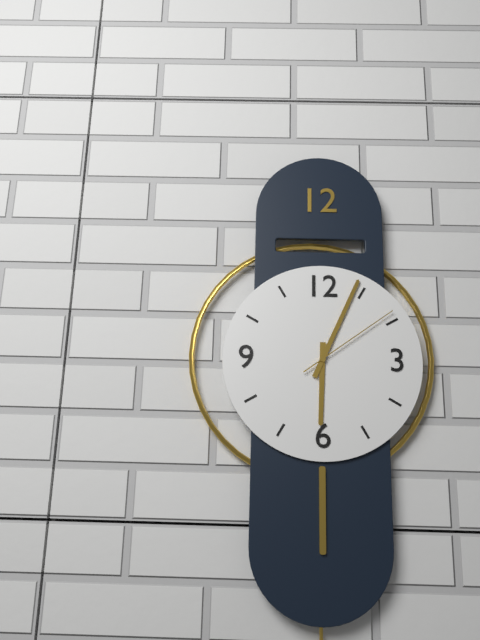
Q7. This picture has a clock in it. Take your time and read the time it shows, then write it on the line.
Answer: 6:04:09
